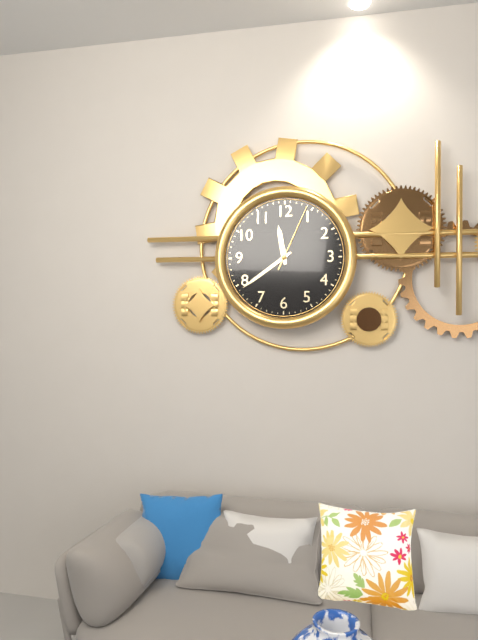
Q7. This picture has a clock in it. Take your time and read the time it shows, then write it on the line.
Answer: 11:39:04
